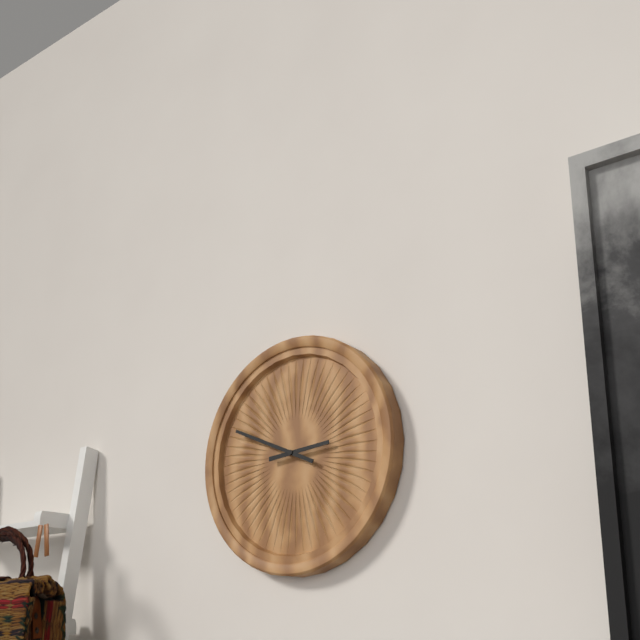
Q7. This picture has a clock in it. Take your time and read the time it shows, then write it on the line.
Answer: 2:49
